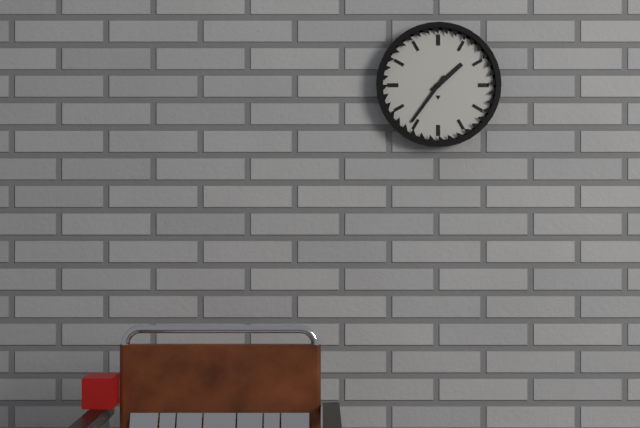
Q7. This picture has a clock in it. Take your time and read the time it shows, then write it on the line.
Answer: 1:36
